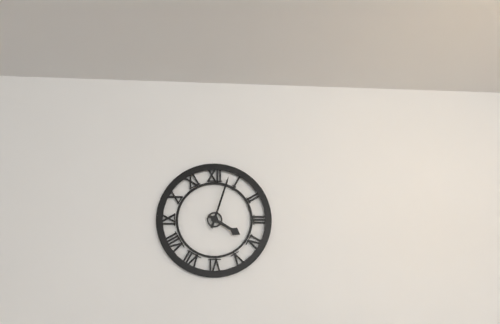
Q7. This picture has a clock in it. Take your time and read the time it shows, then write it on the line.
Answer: 4:03
